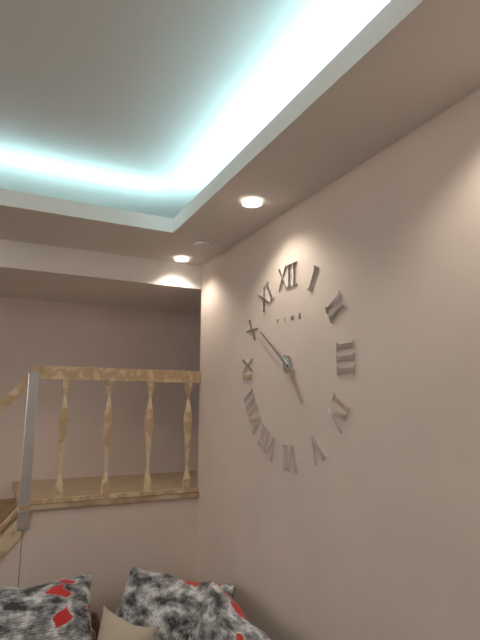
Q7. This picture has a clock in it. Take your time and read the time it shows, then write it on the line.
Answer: 4:51
